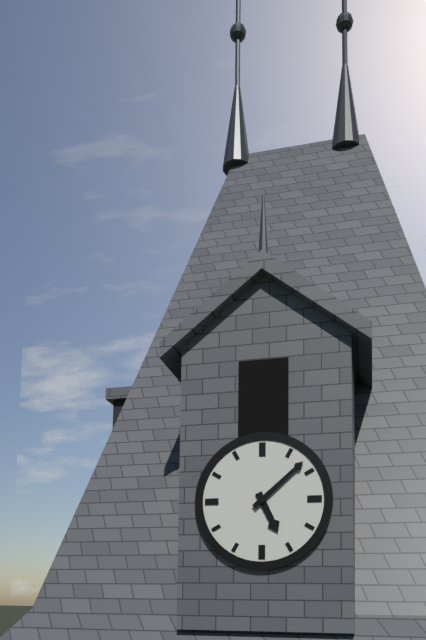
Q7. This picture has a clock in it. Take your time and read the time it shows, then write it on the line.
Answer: 5:08
